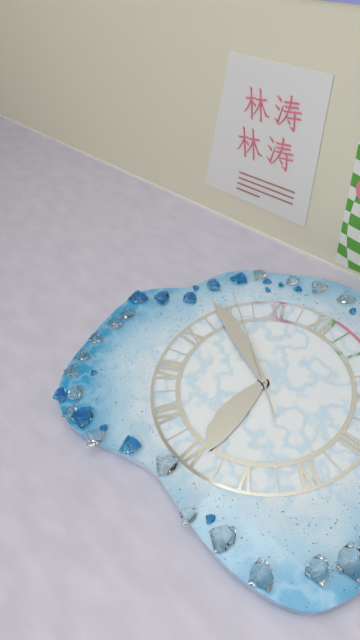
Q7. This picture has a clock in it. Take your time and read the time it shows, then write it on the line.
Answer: 5:49:51
